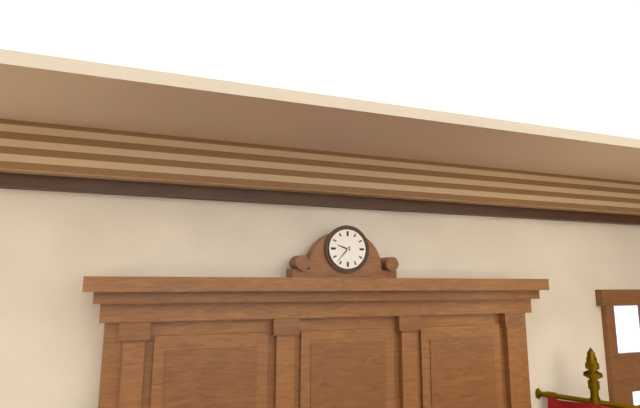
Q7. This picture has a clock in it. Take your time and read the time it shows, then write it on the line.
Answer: 9:37
